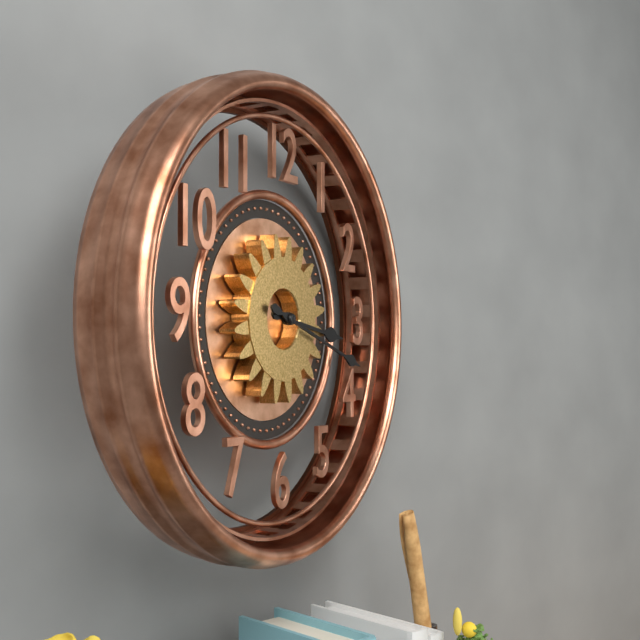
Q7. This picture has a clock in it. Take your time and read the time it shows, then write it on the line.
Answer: 3:18
